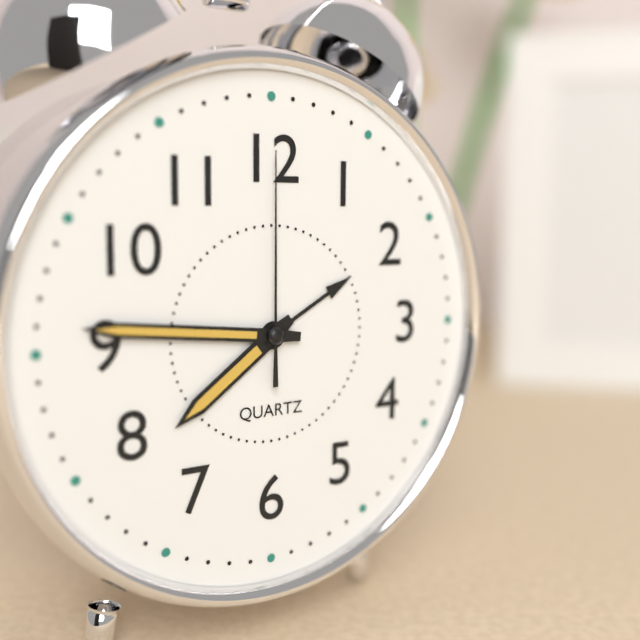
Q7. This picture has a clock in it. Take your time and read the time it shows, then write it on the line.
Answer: 7:46:00
